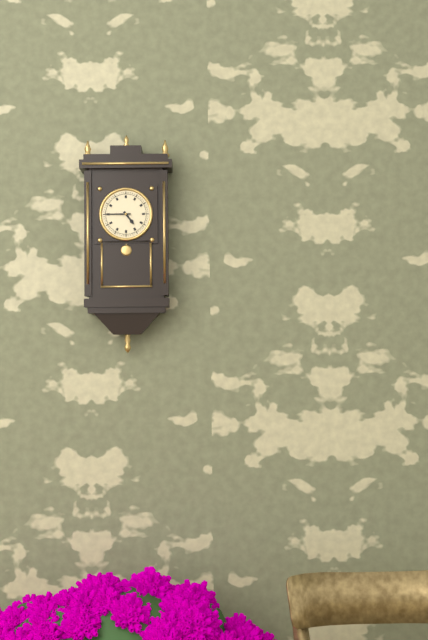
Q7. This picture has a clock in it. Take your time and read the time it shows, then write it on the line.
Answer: 4:45
